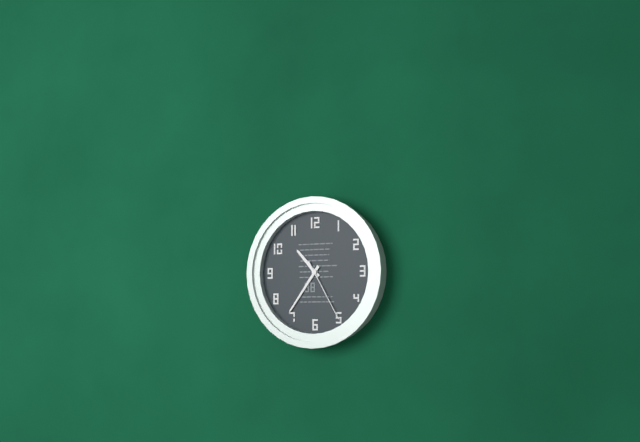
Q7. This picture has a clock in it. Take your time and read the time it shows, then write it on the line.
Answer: 10:36:25
